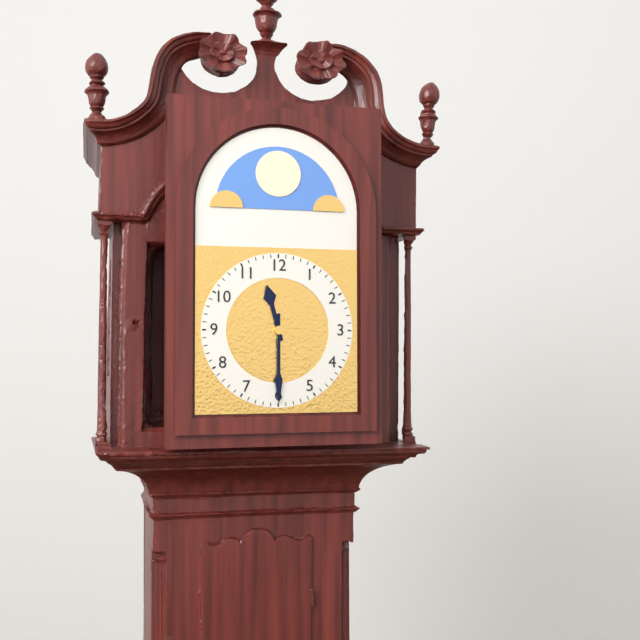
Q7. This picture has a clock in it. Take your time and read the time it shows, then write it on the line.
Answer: 11:30
